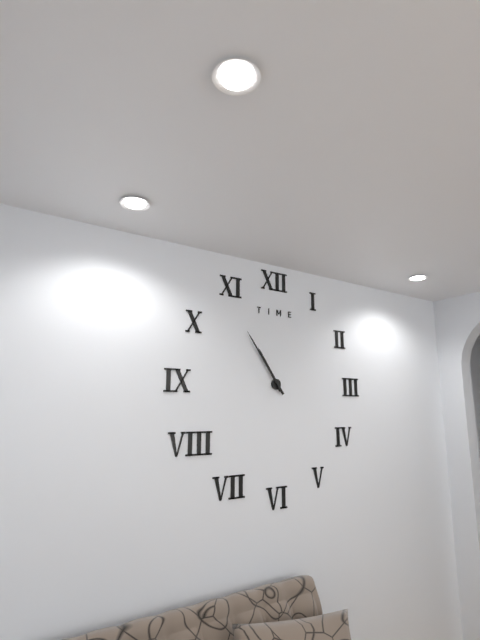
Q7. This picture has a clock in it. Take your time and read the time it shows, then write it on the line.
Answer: 10:54
